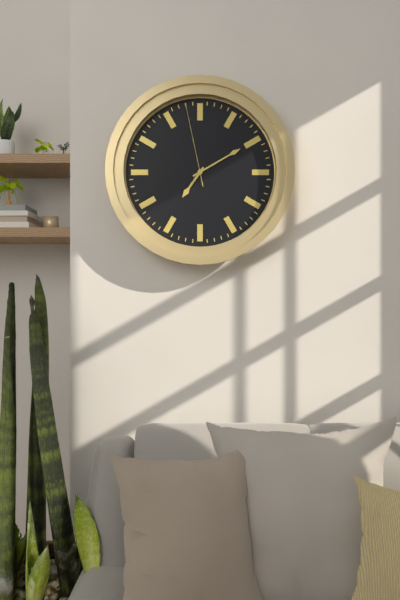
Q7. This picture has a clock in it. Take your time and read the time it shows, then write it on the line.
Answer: 7:10:58
